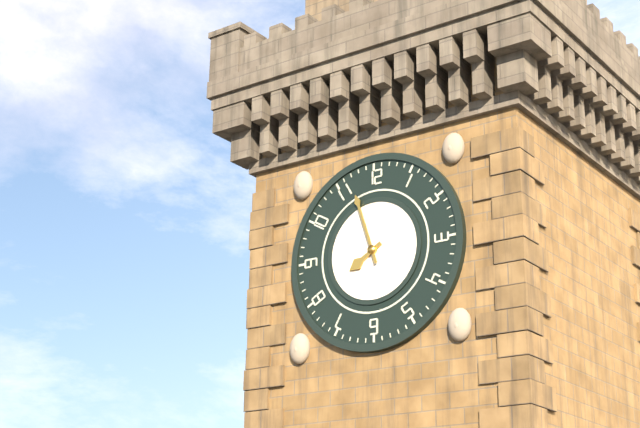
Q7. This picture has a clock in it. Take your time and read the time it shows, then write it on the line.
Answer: 7:57
